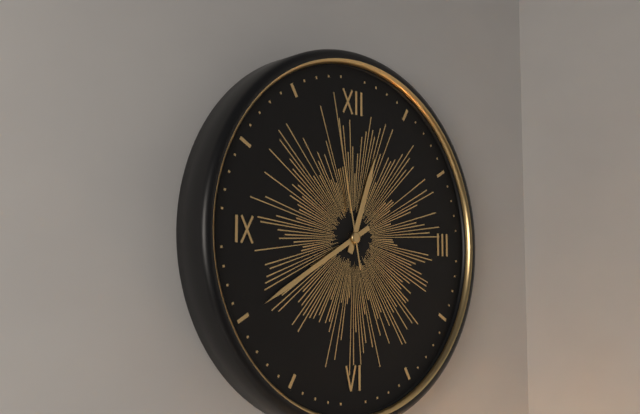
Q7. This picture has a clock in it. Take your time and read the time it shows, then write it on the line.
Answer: 12:40:58
